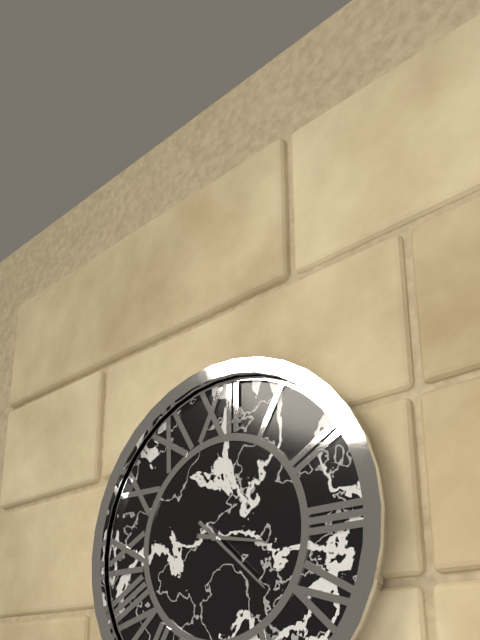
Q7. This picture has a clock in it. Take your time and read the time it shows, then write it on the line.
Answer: 3:22
